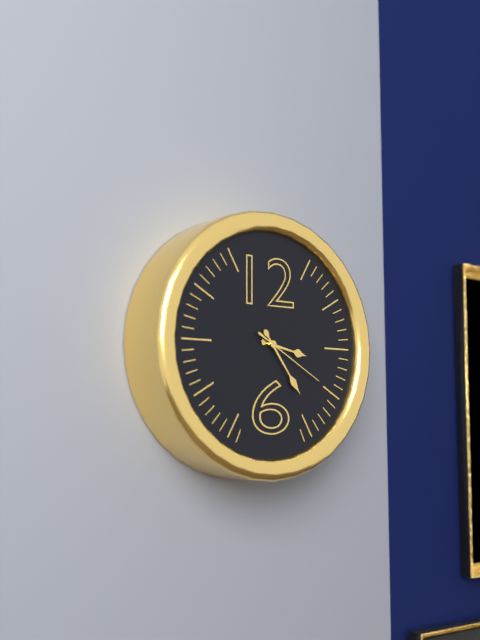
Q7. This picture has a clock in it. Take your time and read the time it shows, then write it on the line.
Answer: 3:24:20
